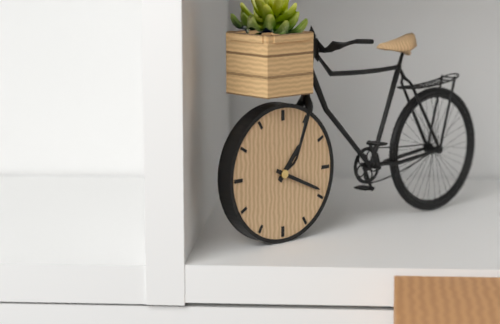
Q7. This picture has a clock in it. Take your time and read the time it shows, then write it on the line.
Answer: 1:19
